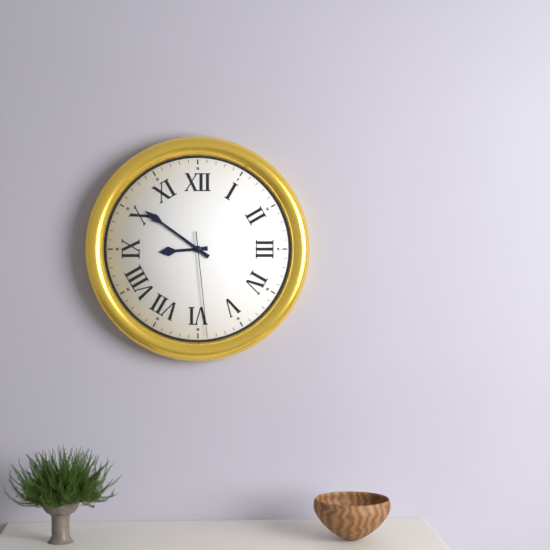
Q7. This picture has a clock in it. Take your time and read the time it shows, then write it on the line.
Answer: 8:51:29
